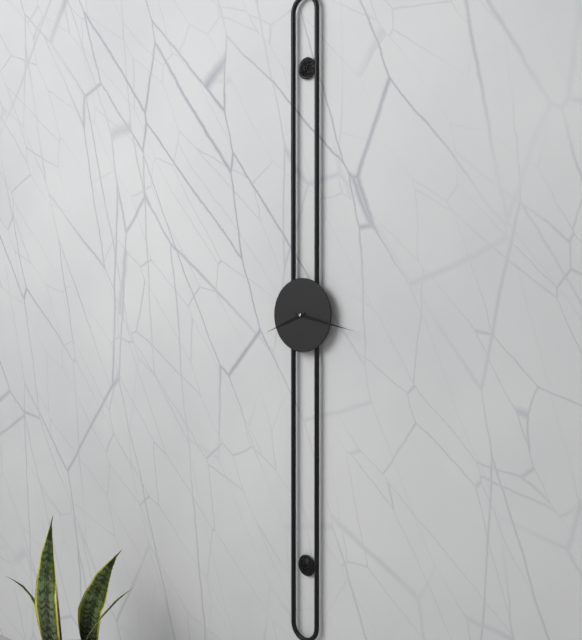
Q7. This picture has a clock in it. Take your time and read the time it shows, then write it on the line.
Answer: 8:17
